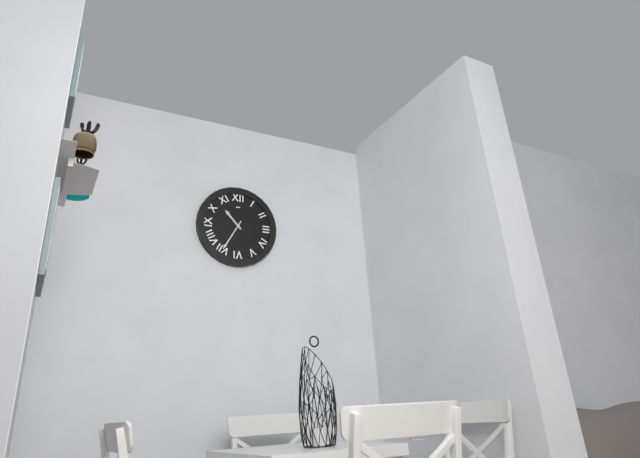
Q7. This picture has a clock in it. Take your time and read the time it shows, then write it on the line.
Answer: 10:35
